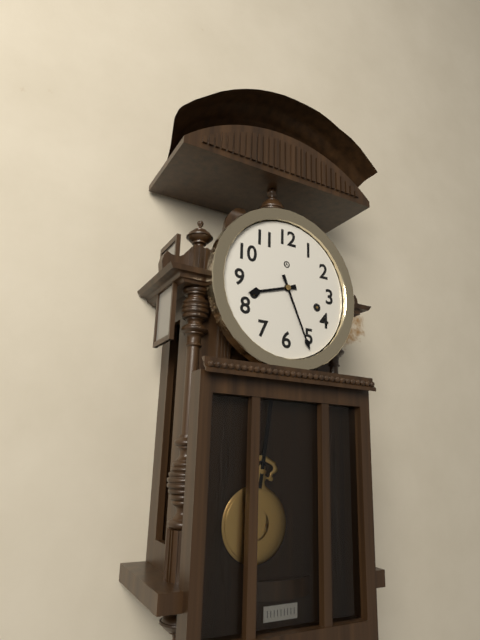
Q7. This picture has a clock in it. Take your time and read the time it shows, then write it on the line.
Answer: 8:26
